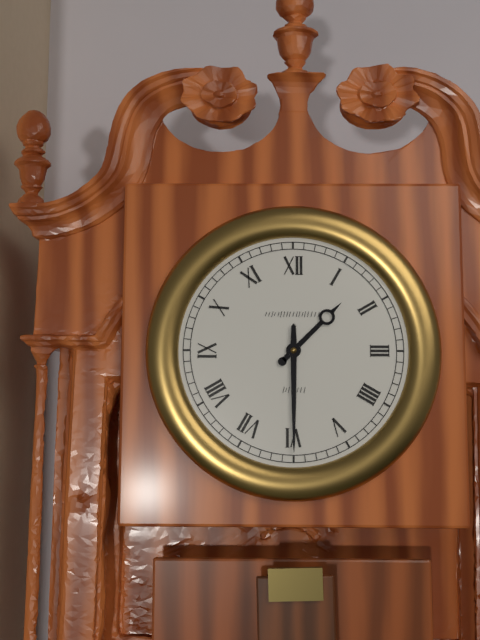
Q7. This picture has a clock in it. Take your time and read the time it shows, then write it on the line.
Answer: 1:30
